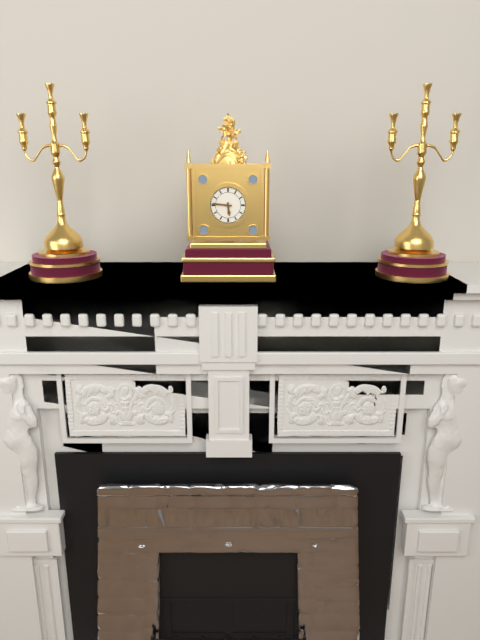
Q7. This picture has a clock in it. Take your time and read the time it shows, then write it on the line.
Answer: 5:46
